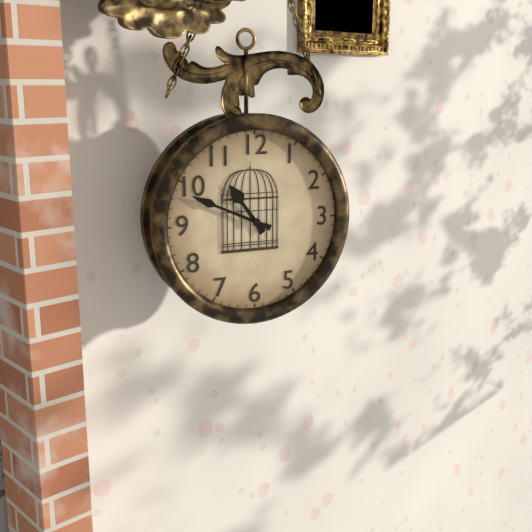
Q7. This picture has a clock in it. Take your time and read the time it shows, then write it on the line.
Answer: 10:49
